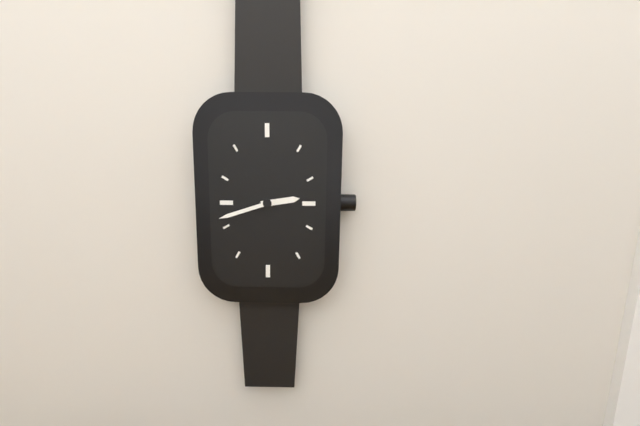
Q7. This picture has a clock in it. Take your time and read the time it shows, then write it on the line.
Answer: 2:42
